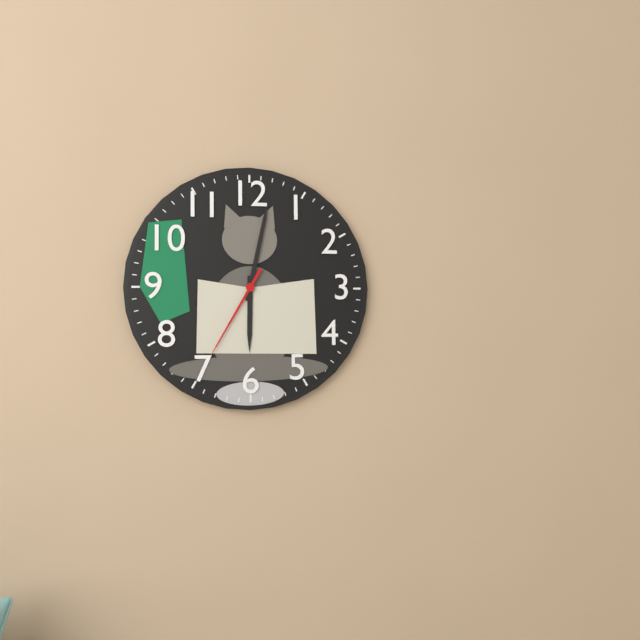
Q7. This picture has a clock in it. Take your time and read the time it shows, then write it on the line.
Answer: 6:02:35
